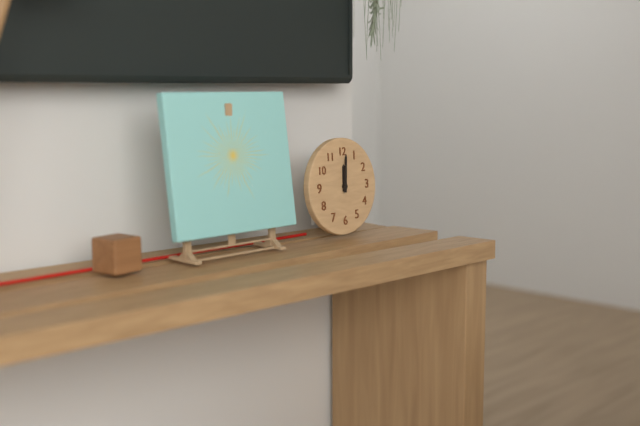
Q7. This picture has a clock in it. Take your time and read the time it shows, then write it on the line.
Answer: 12:01
